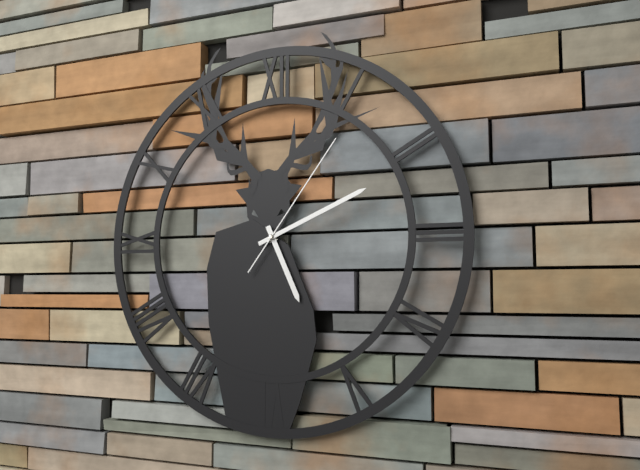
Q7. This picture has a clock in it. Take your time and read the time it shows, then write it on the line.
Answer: 5:11:06
